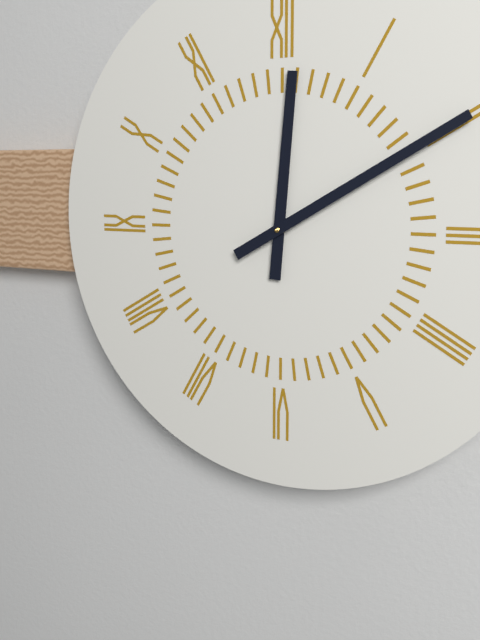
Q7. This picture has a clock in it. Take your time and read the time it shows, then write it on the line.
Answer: 12:10
